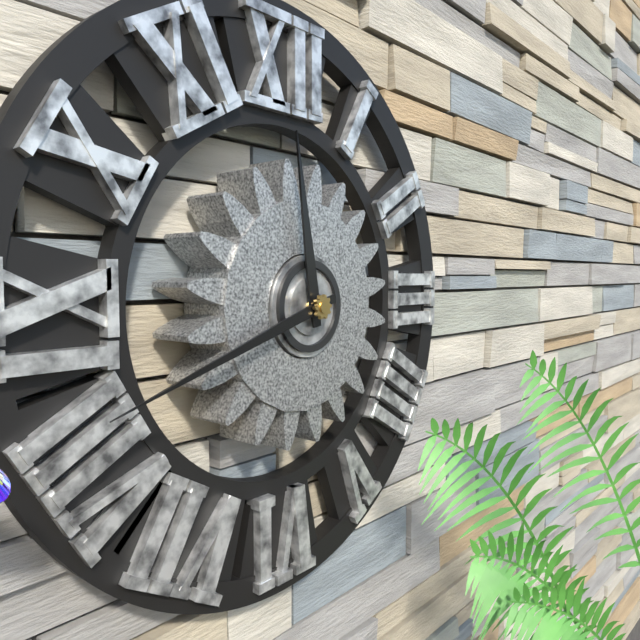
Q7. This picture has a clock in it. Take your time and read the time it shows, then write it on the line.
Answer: 11:42
